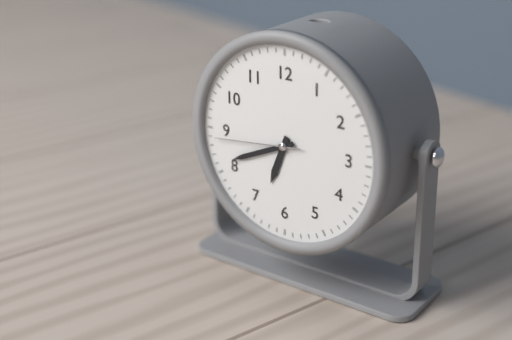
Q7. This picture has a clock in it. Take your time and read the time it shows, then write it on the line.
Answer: 6:41:44
